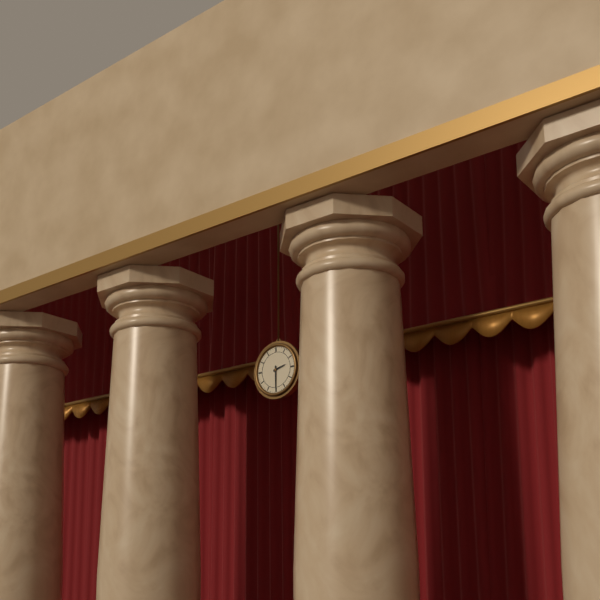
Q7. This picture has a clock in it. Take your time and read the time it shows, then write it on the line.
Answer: 2:30
